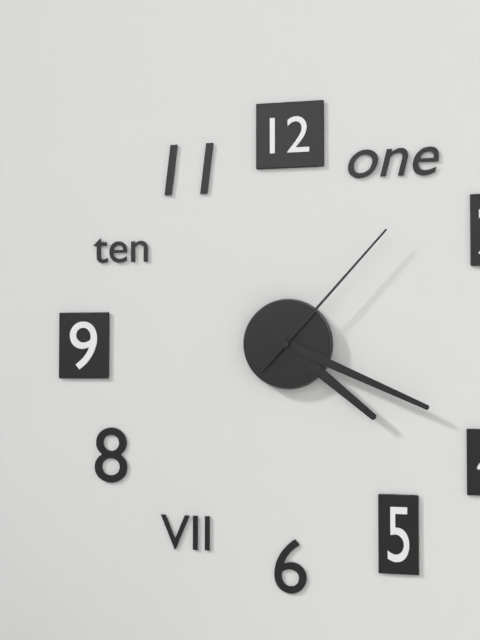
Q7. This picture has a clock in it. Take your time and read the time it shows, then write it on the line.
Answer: 4:19:07
